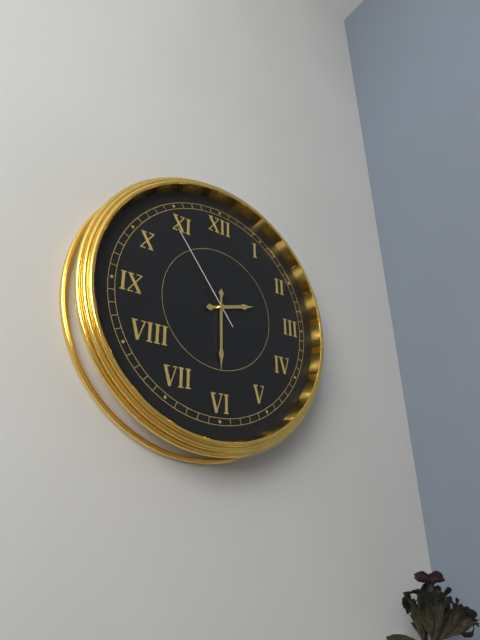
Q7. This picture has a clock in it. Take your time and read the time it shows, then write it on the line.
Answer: 2:30:54
